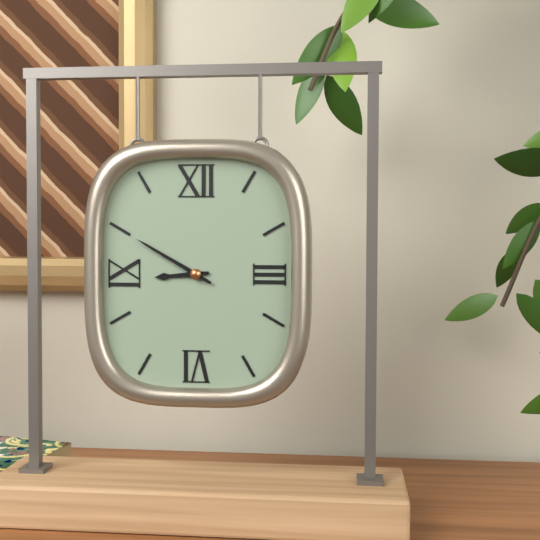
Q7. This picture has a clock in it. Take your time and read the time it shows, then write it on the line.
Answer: 8:50
